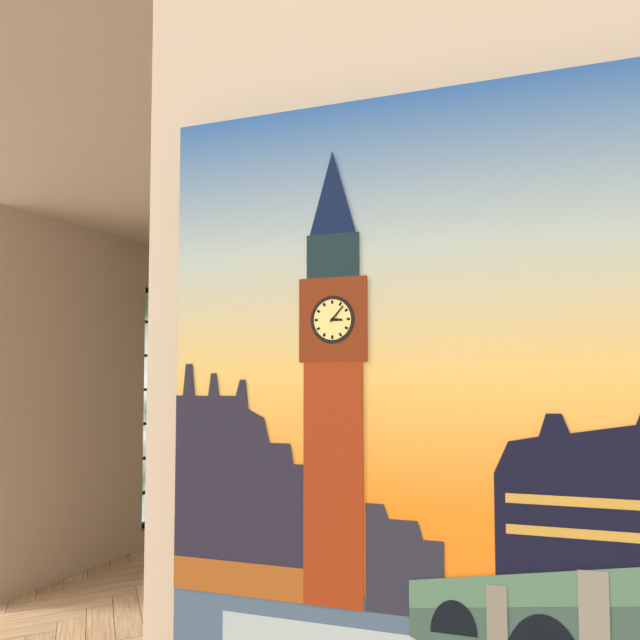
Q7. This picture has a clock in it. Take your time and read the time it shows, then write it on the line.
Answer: 3:07
